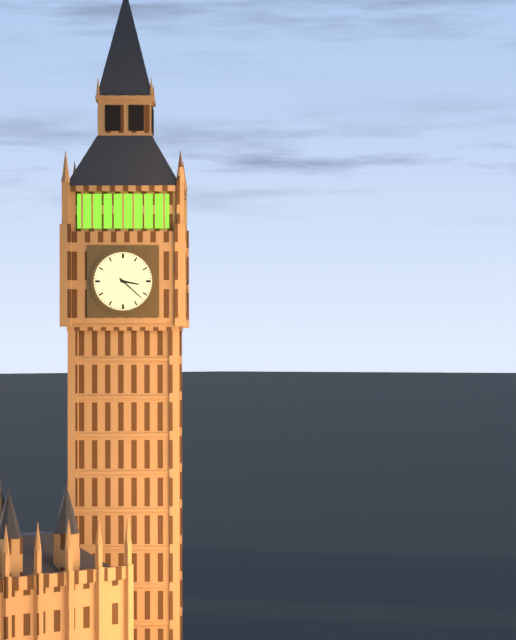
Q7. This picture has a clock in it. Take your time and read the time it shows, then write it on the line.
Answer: 3:22
